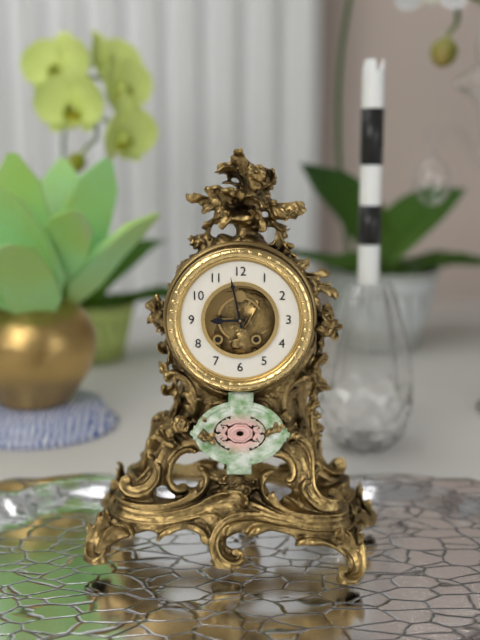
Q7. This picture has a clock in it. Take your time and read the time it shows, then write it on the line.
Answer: 8:58
